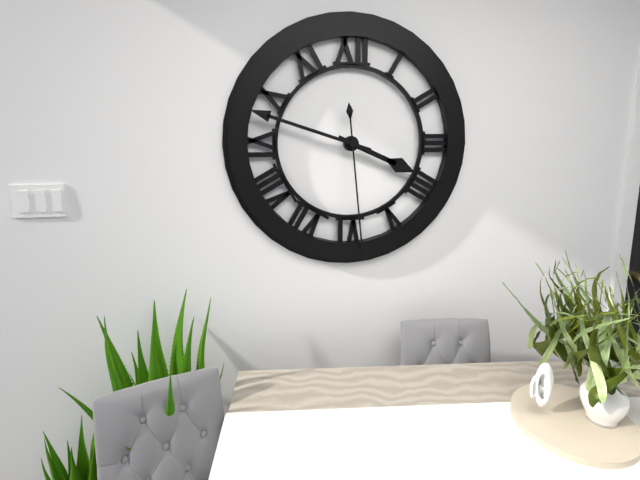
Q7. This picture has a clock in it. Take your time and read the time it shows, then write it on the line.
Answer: 3:48:29
